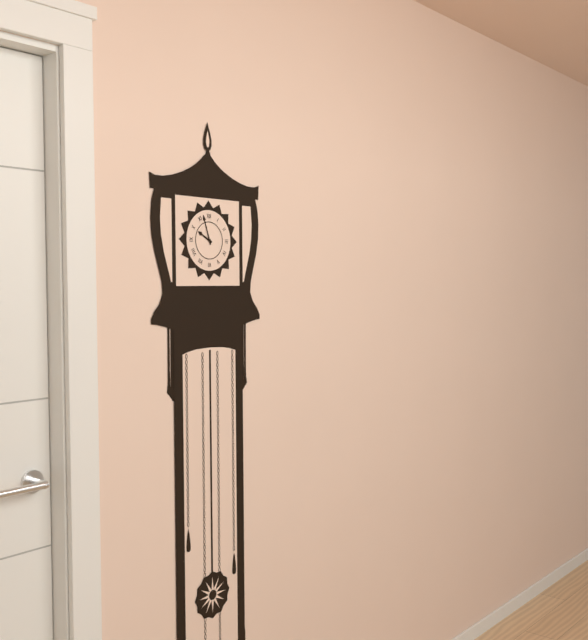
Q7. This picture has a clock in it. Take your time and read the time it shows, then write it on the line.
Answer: 9:57
